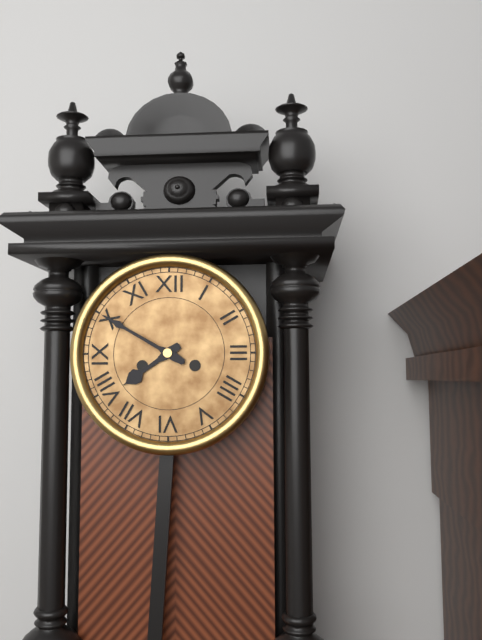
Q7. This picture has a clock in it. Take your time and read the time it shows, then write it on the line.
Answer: 7:50
